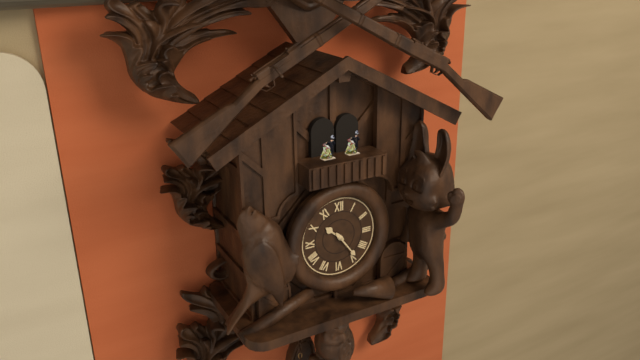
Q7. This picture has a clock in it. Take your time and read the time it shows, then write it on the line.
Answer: 10:24
